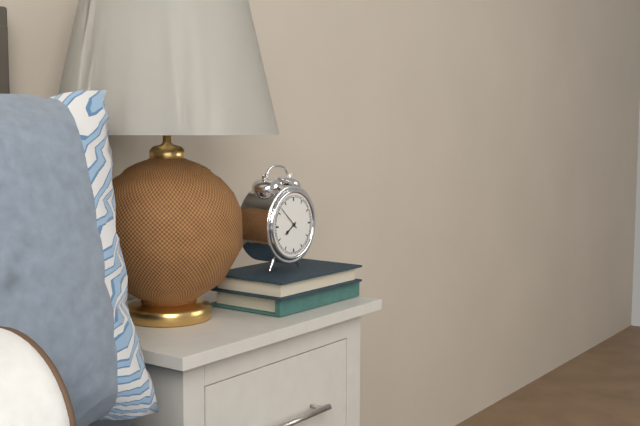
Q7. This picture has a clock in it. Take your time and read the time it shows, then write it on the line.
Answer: 7:52
